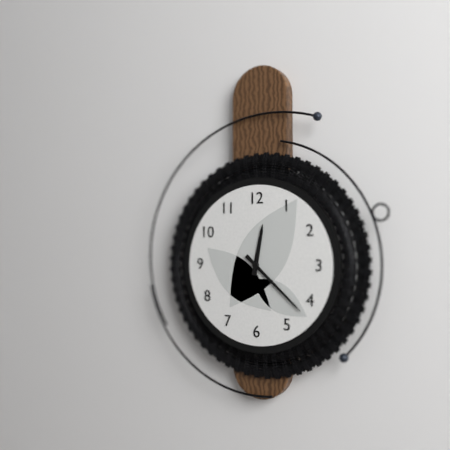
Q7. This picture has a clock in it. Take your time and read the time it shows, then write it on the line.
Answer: 12:22
